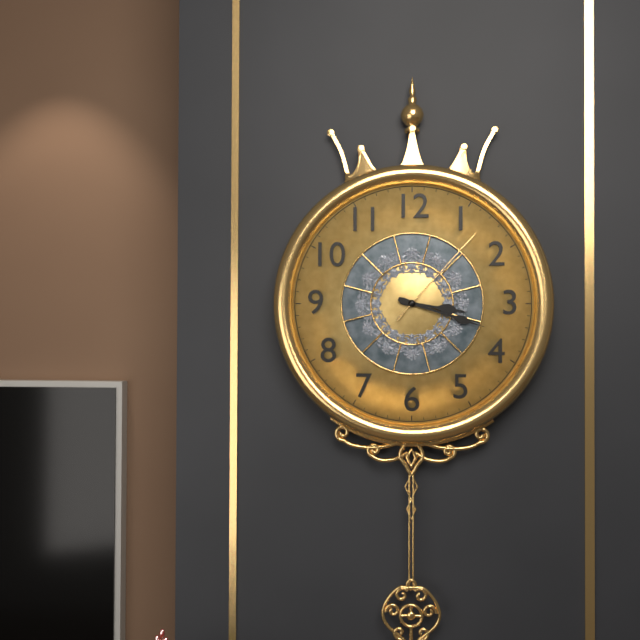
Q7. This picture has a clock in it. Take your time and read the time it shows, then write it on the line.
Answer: 3:18:07
